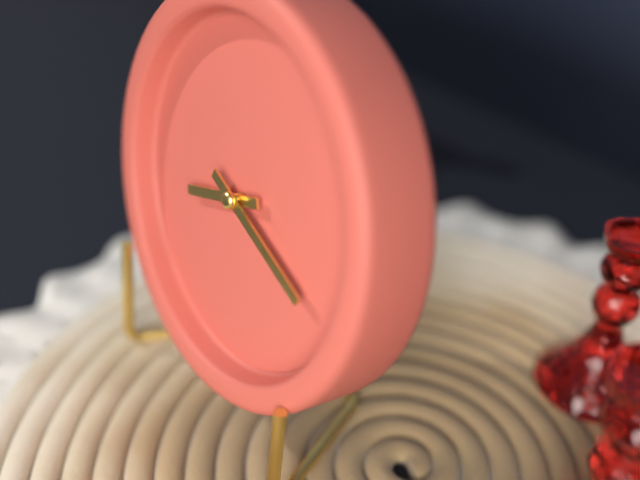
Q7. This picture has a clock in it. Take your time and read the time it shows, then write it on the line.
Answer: 8:18
